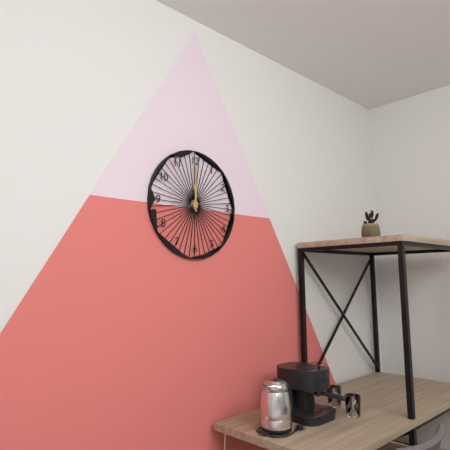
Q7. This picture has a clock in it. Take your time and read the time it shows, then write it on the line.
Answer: 12:00
